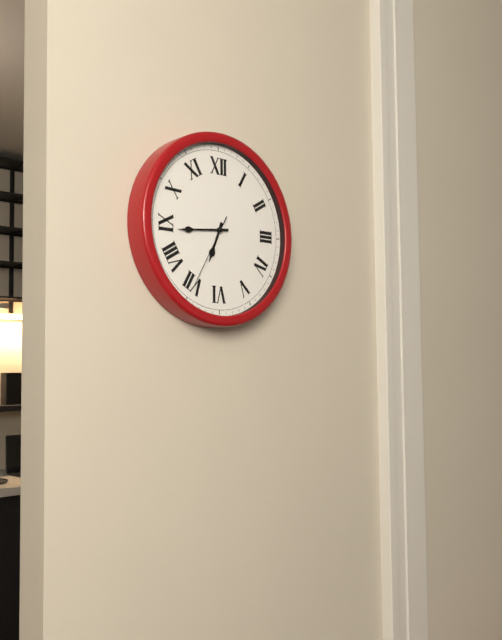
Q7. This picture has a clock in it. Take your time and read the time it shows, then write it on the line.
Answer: 6:44:35
